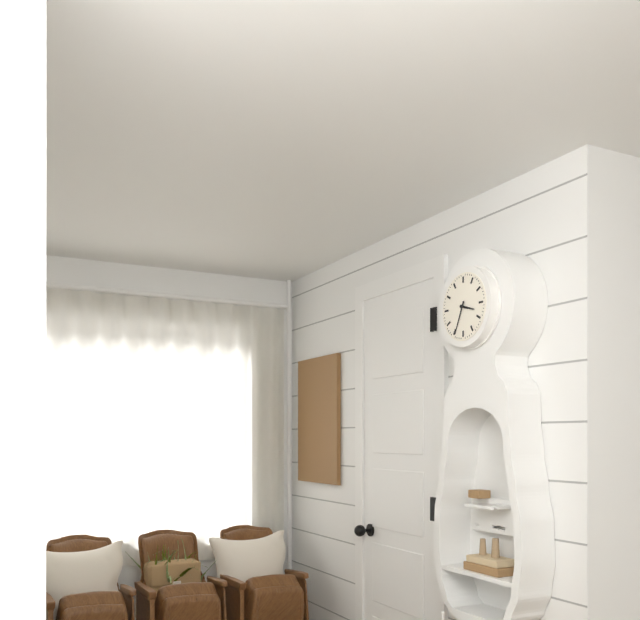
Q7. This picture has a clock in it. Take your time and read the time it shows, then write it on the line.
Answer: 3:34
